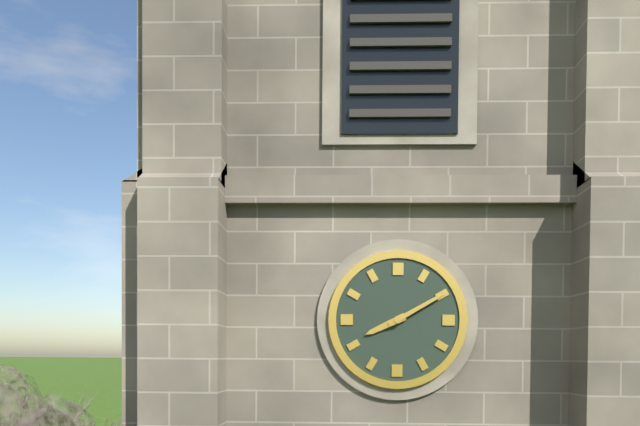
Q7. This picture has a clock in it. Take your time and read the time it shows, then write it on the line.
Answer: 8:10
